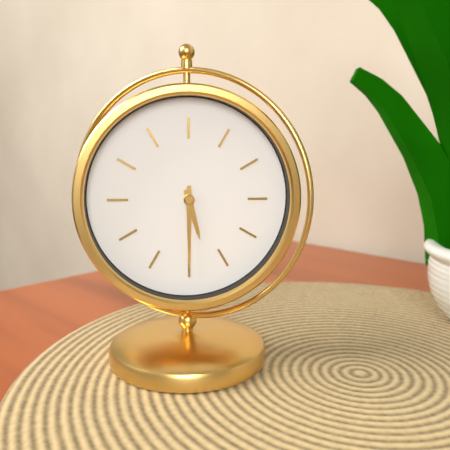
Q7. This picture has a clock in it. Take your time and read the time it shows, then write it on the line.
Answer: 5:30
